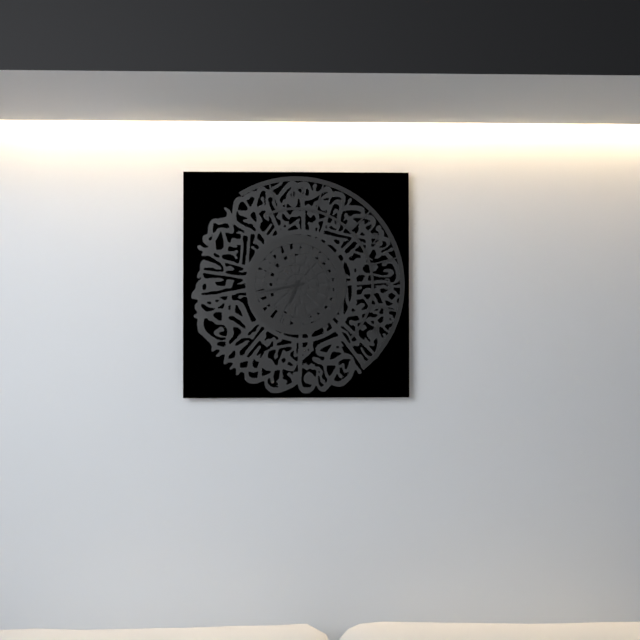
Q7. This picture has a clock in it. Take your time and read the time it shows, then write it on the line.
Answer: 6:43
